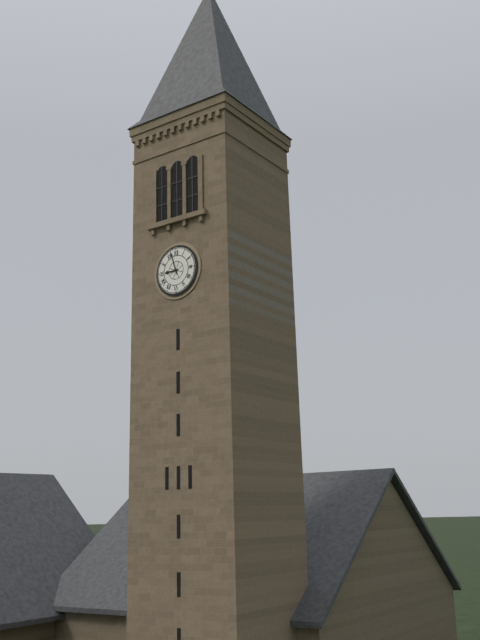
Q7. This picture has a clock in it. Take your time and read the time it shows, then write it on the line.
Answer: 8:57
